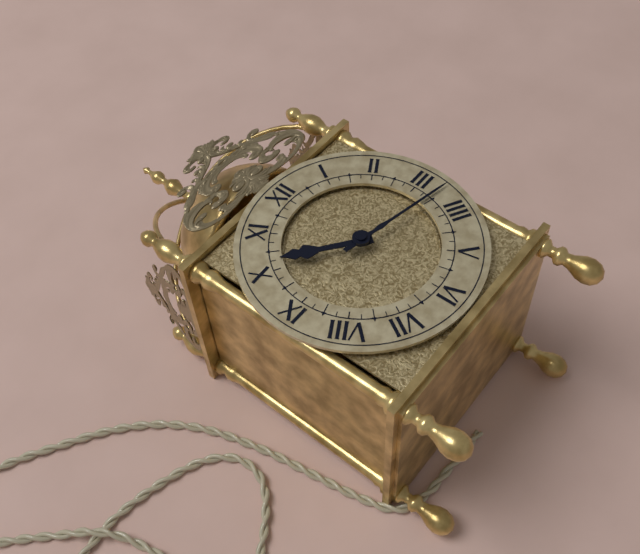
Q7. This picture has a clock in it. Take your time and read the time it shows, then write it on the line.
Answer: 10:17
